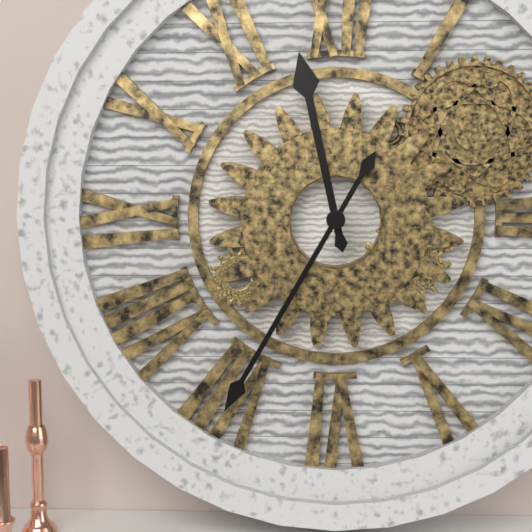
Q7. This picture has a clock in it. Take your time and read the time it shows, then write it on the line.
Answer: 11:35
